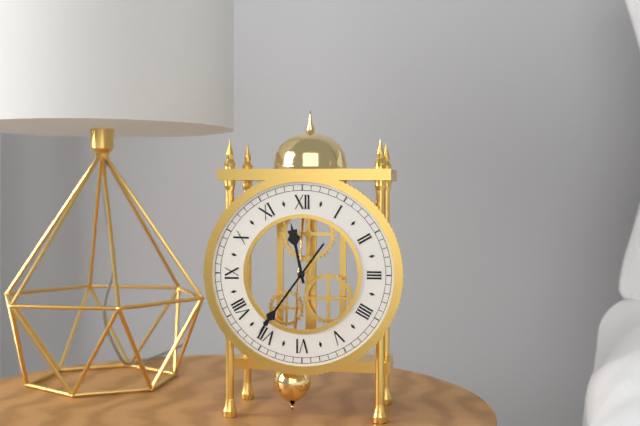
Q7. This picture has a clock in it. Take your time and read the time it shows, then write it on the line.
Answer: 11:36
